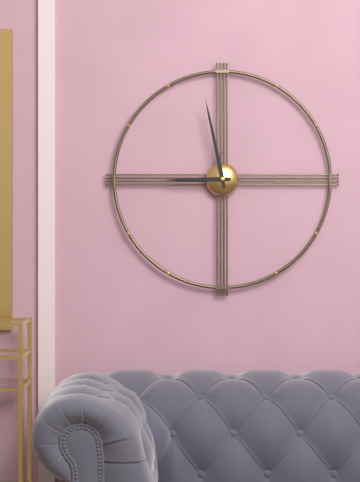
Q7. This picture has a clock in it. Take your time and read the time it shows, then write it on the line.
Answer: 8:58
